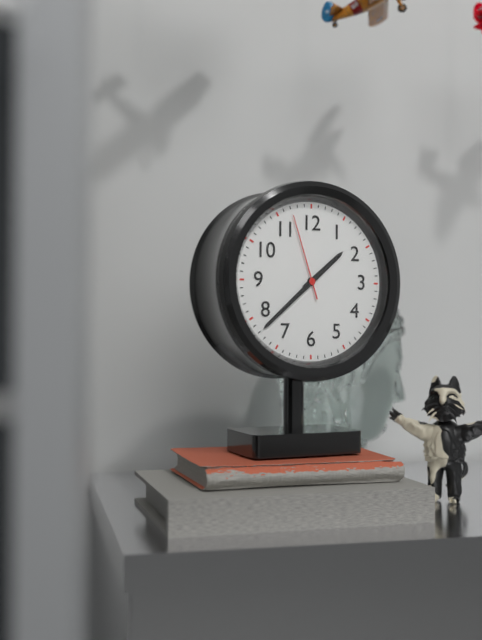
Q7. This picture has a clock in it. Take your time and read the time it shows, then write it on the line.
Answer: 1:38:57
